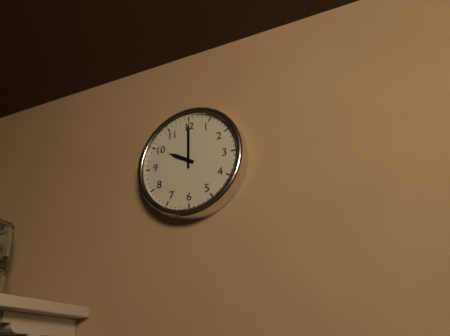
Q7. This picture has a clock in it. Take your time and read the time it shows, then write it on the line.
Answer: 10:00
